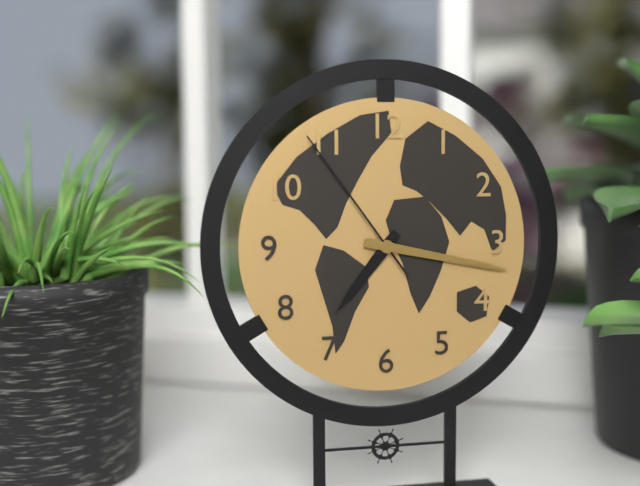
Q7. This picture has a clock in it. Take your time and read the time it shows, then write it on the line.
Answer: 7:17:54
